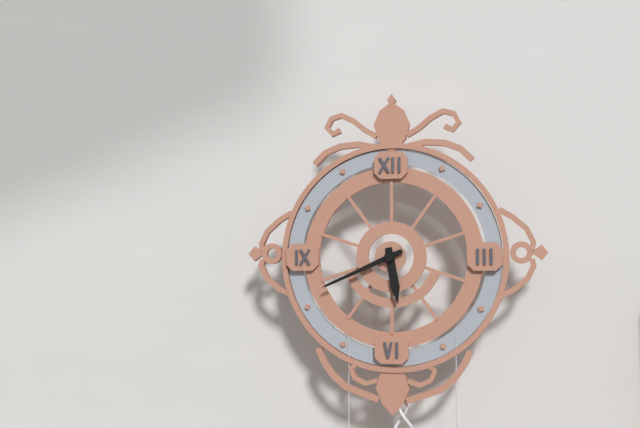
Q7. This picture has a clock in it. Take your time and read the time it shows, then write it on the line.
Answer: 5:41
